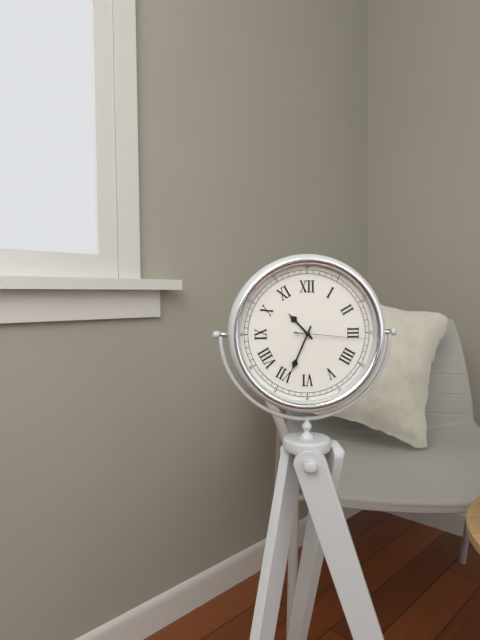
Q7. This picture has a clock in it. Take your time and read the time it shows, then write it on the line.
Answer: 10:34:16
